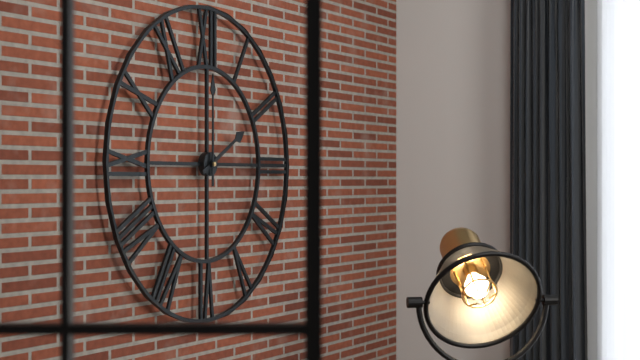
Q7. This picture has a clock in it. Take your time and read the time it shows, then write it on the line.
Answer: 2:00
